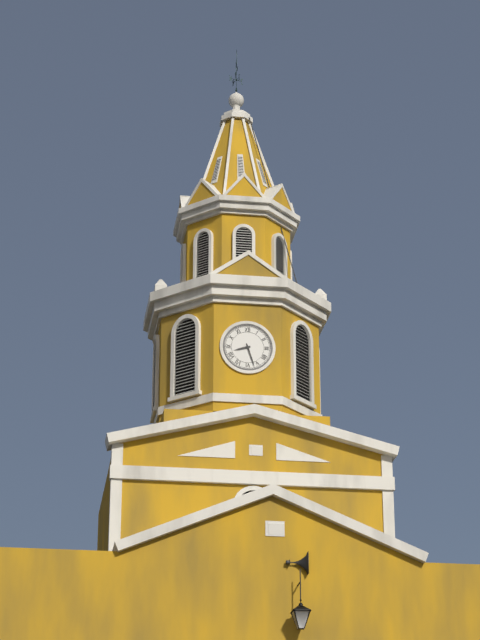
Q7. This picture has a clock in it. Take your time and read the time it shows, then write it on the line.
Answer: 8:27
